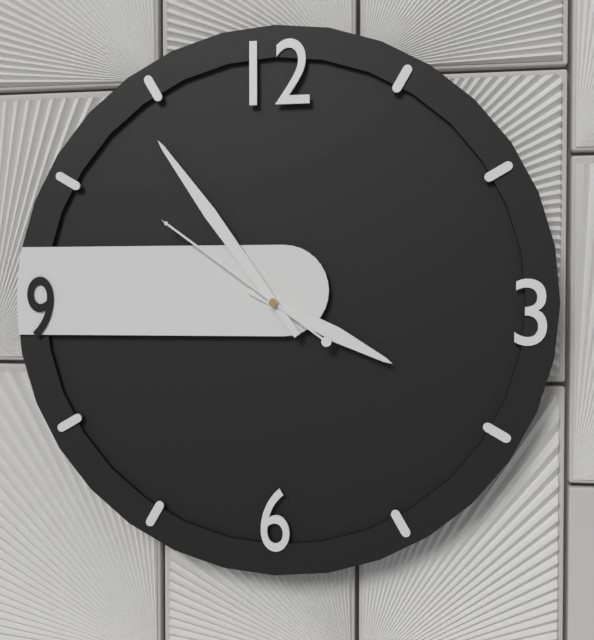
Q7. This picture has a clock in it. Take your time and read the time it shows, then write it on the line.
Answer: 3:54:51
